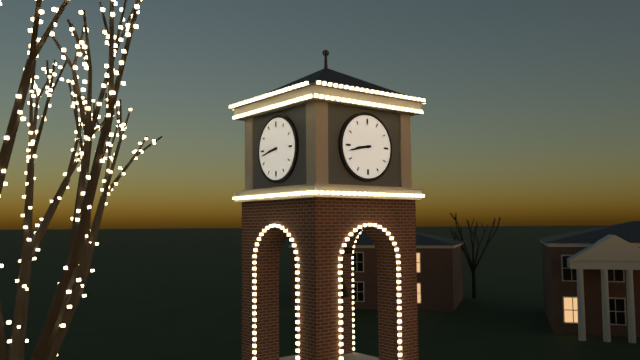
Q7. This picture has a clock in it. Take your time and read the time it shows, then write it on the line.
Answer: 8:43
